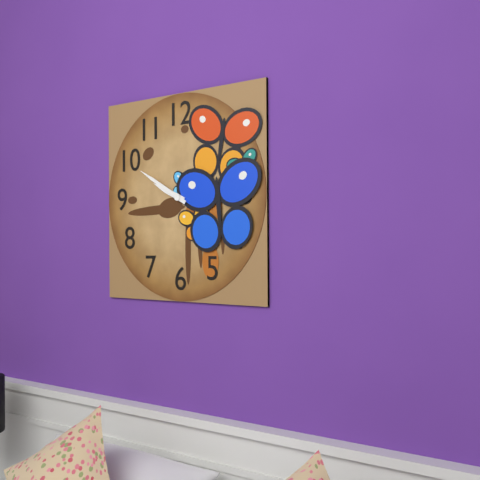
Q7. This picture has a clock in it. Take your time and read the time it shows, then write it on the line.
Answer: 9:50
